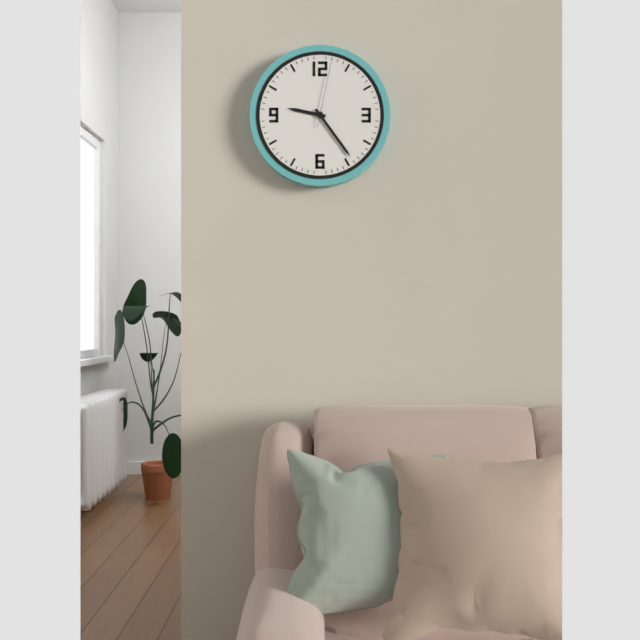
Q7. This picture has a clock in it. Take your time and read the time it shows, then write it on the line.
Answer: 9:24:02
